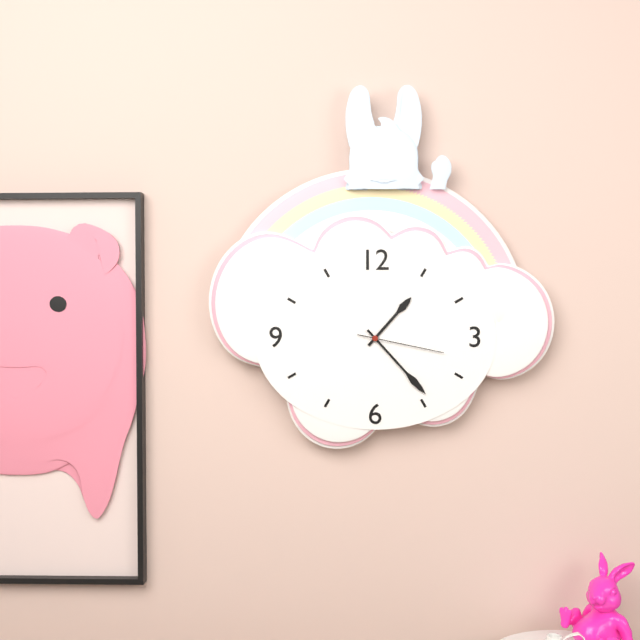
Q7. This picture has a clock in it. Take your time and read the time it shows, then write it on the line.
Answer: 1:23:17
